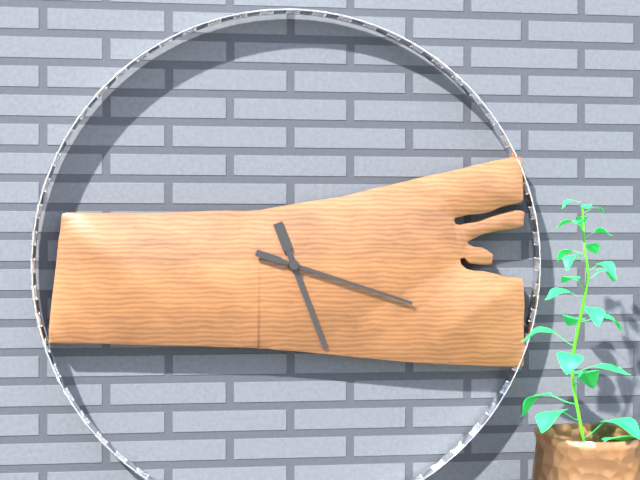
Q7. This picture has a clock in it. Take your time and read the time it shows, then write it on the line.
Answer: 5:18
